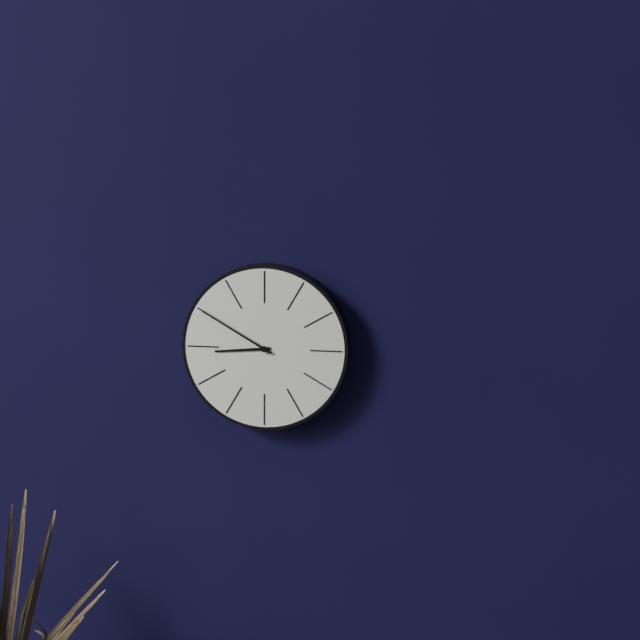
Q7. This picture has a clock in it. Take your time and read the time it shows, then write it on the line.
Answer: 8:50
